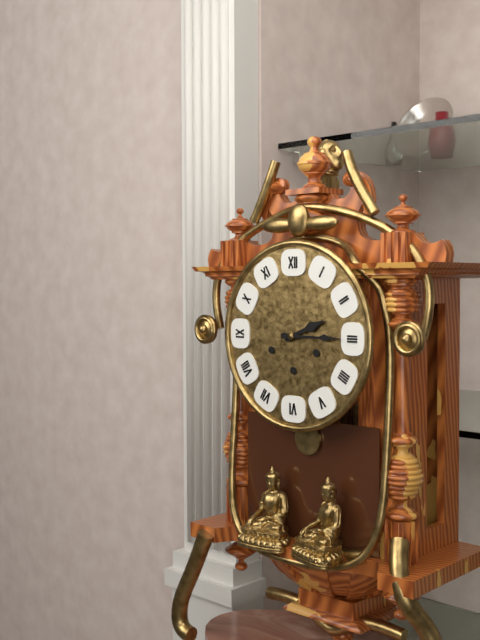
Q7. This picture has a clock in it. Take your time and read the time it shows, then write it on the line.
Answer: 2:15
